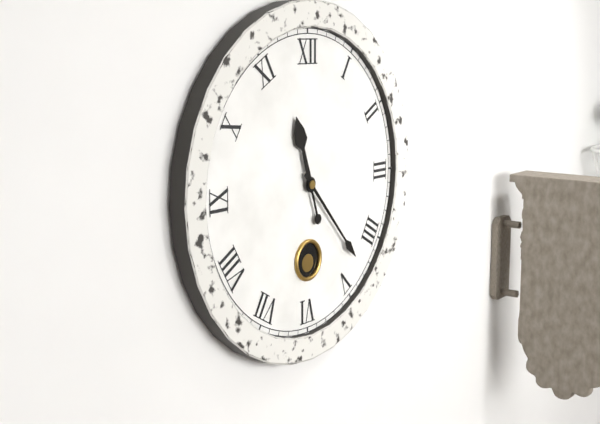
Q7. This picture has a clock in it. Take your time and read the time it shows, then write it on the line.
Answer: 11:23
